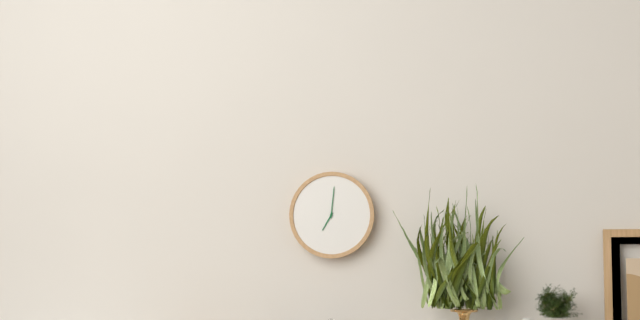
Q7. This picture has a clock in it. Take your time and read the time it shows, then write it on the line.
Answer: 7:01
